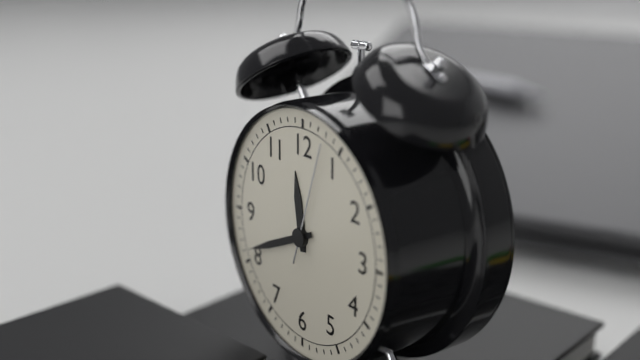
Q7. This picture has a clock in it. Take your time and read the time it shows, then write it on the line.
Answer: 11:41:03
